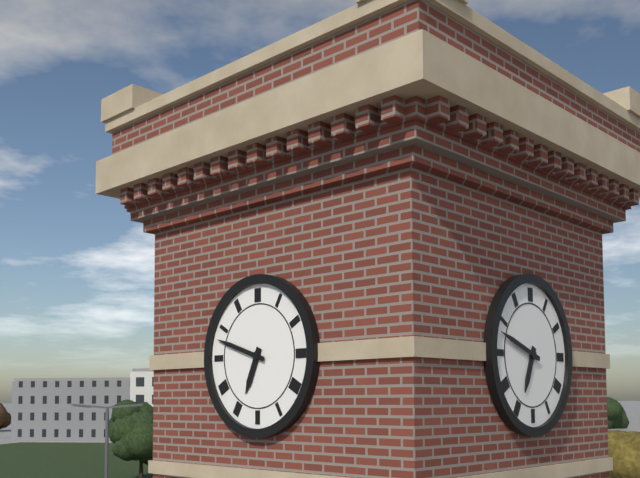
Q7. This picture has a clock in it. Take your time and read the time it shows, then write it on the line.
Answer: 6:48
